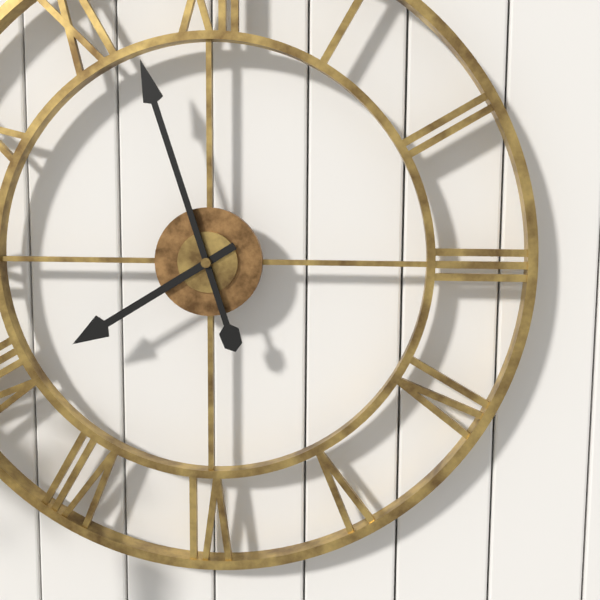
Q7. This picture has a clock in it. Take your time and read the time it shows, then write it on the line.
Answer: 7:57
